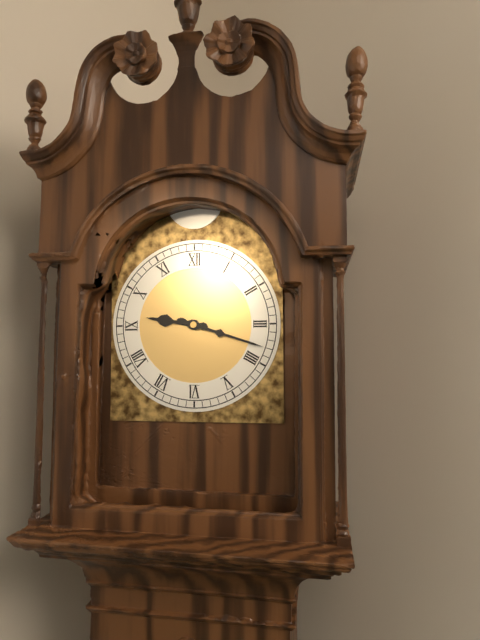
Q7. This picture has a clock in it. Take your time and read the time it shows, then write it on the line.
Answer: 9:18
